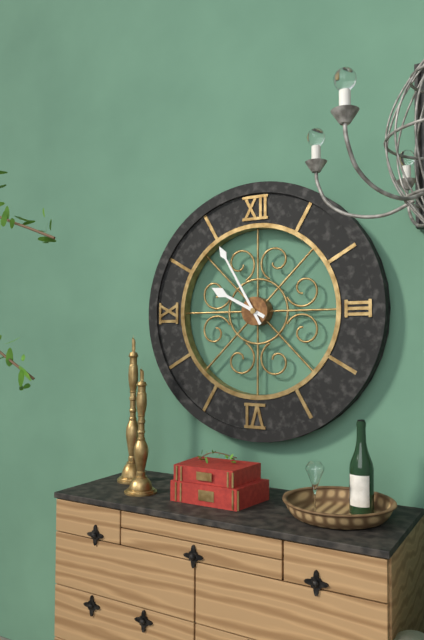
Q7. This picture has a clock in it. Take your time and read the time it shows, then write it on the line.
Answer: 9:55
